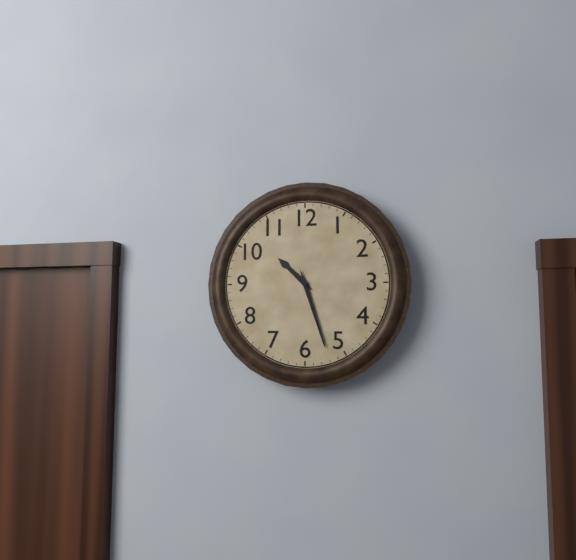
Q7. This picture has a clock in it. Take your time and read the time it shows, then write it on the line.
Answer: 10:27
